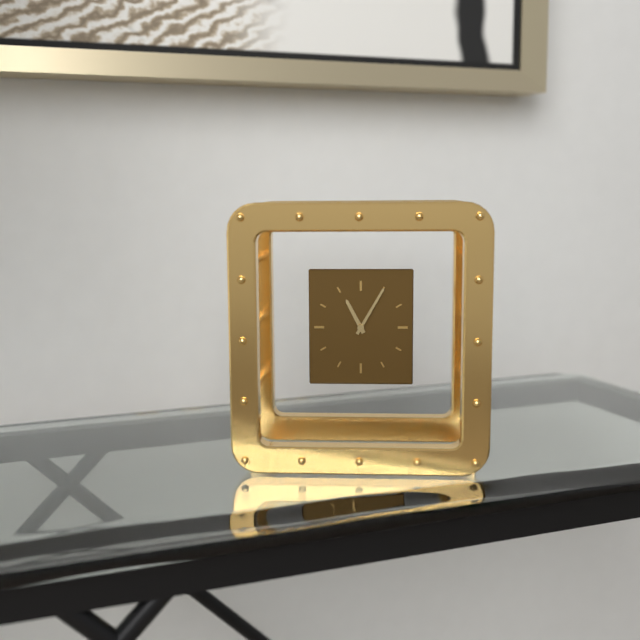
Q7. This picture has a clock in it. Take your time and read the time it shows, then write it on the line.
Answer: 11:05
